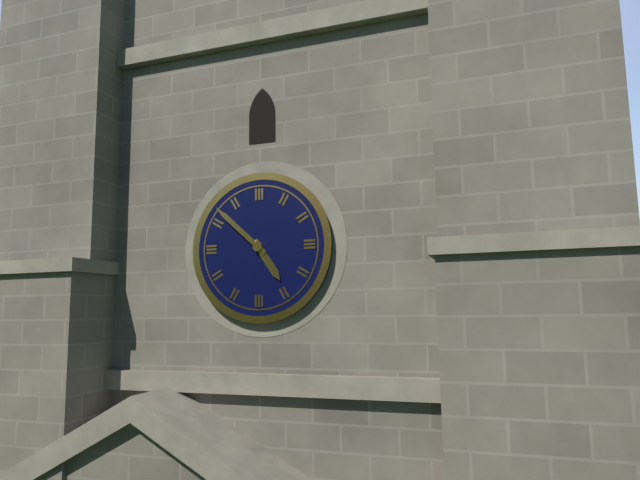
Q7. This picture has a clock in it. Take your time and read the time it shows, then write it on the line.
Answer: 4:52
